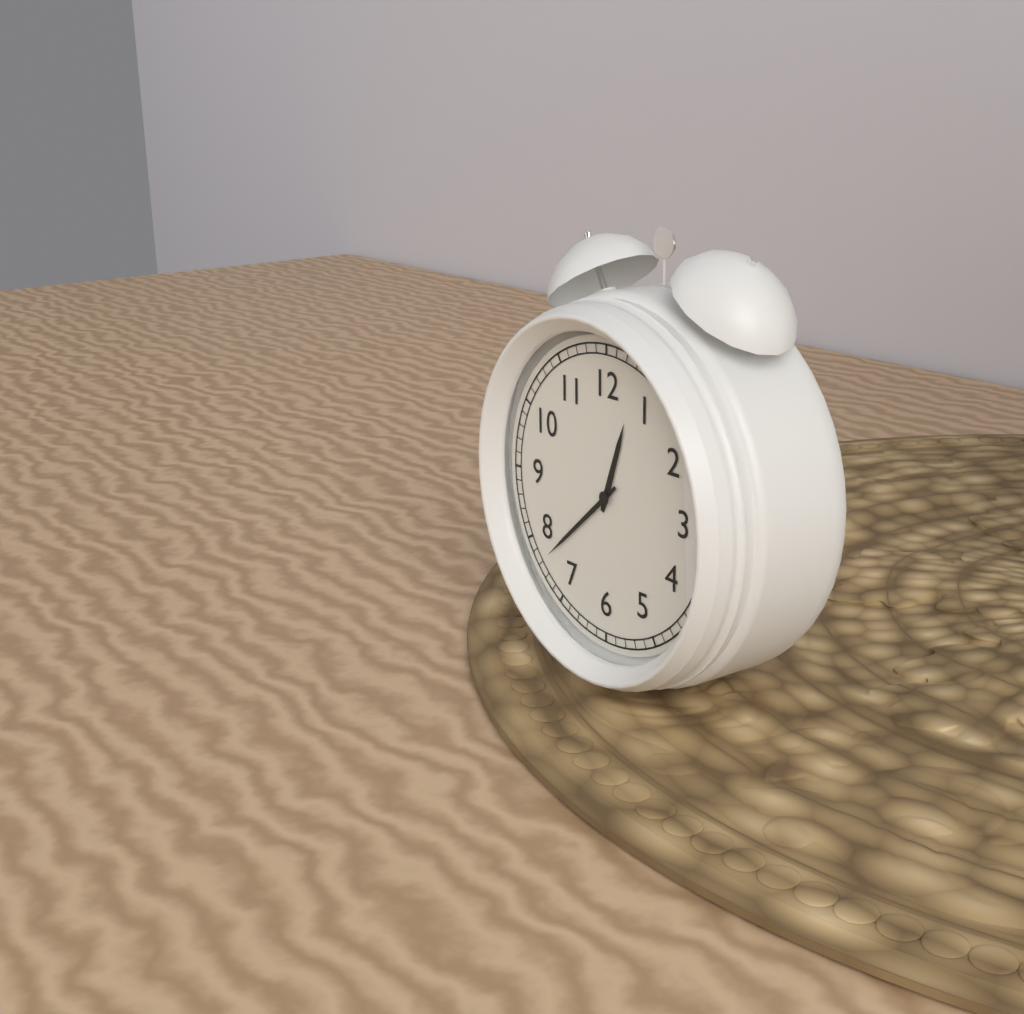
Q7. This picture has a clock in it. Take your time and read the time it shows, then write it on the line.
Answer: 12:38
